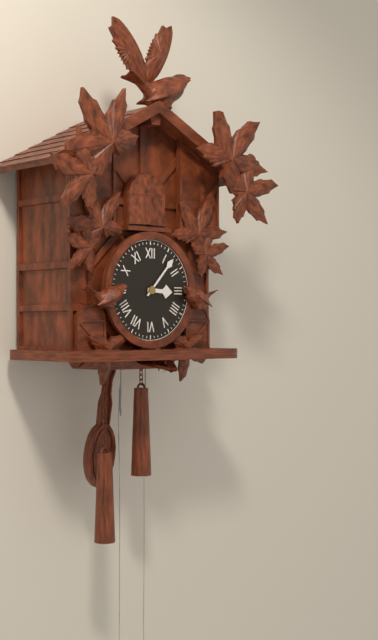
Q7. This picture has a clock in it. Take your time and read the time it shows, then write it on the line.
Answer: 3:07
